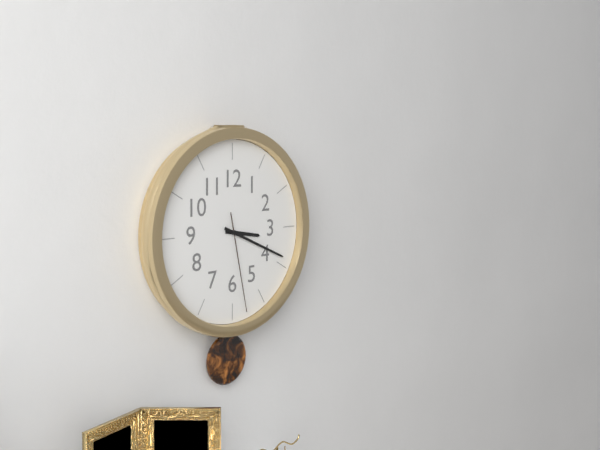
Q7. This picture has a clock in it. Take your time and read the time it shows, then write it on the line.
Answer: 3:19:28
